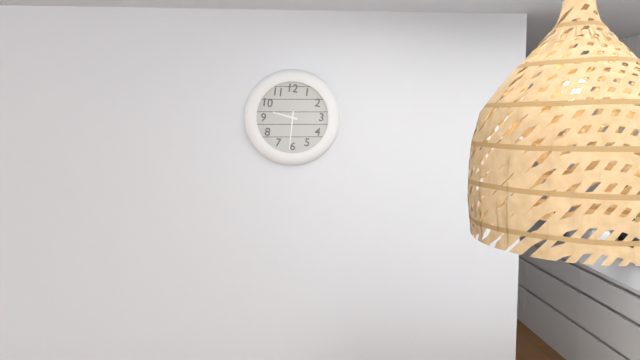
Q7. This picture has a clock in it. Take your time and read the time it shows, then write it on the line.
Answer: 9:31
